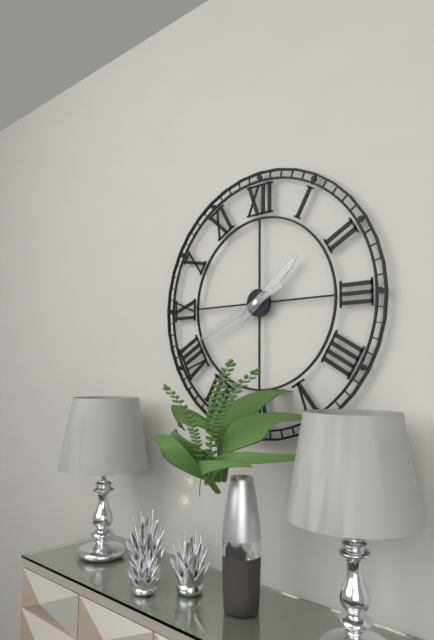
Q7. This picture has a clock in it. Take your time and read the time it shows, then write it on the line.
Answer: 1:41
